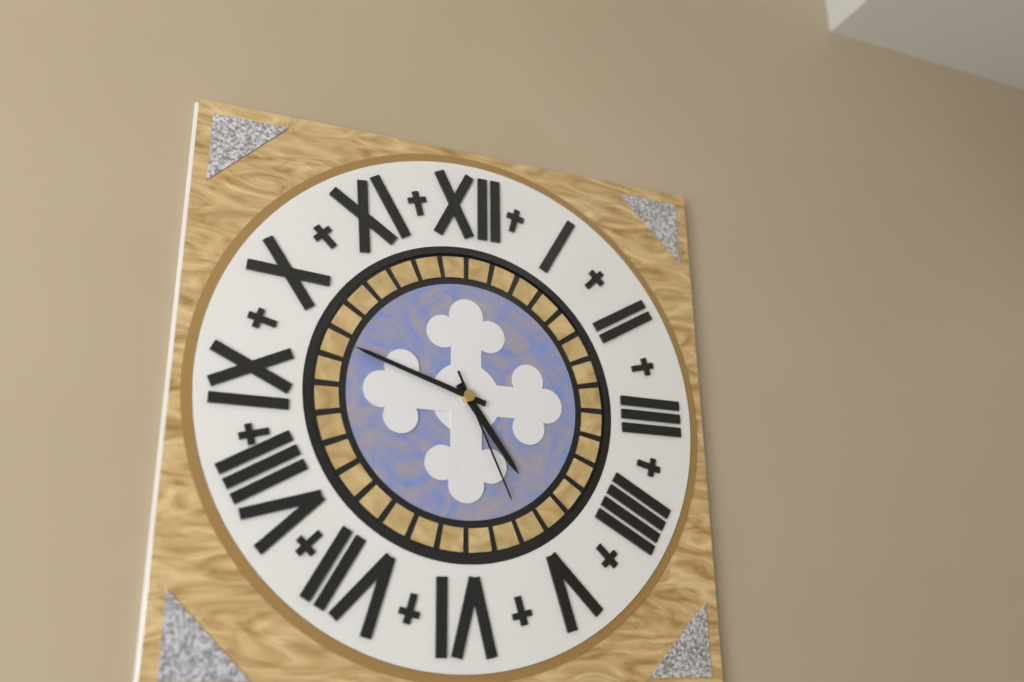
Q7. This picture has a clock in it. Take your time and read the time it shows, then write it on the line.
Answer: 4:48:26
